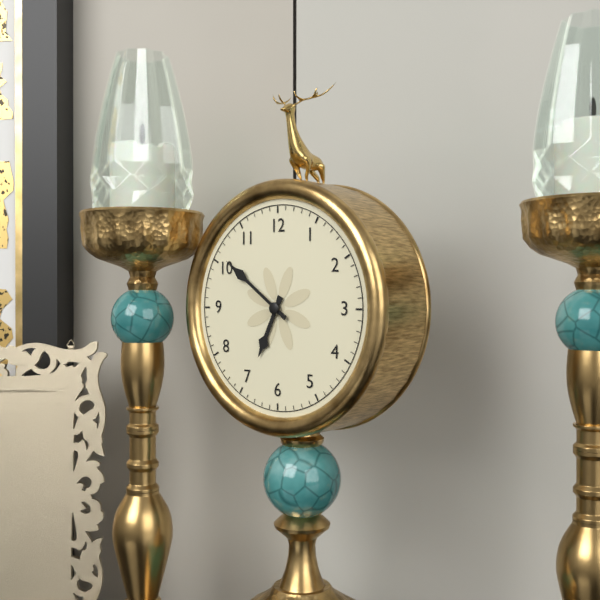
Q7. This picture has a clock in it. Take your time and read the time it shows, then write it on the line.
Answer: 6:51
